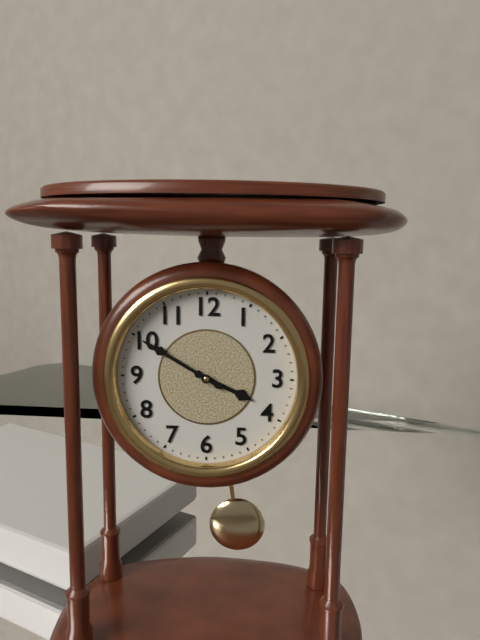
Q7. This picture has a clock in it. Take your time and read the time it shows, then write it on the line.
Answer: 3:50
